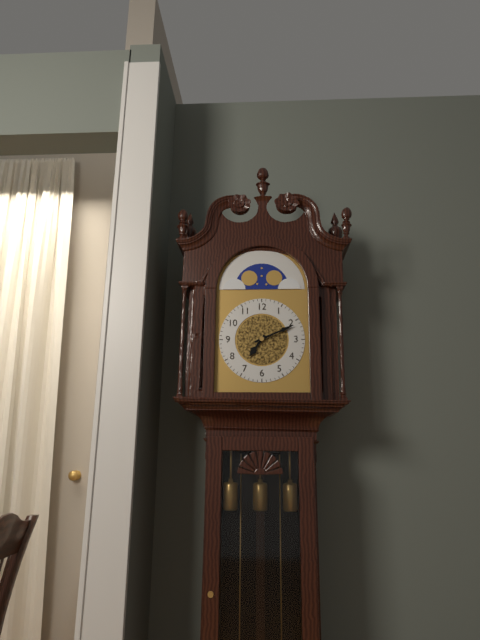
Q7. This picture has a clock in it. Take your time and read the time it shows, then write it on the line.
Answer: 7:11
